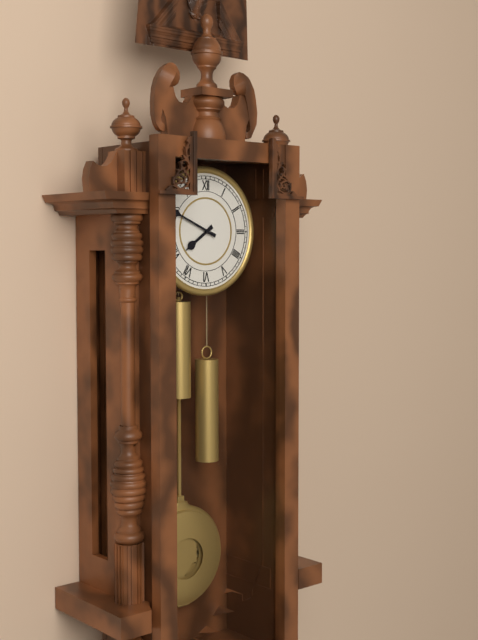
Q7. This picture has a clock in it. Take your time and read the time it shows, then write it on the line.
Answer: 7:49
